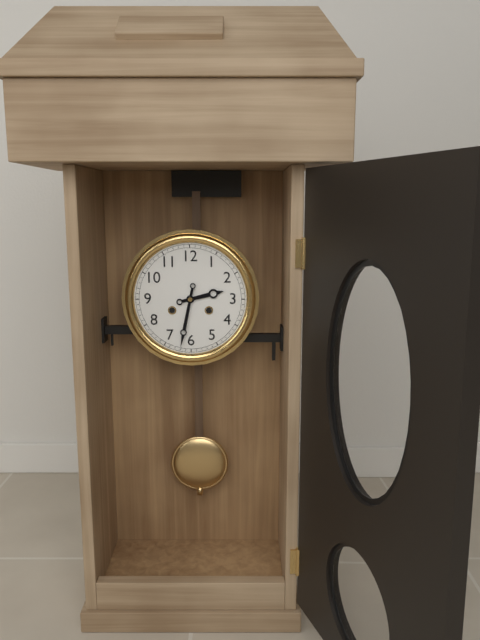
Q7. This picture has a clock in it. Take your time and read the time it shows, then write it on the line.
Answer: 2:32
